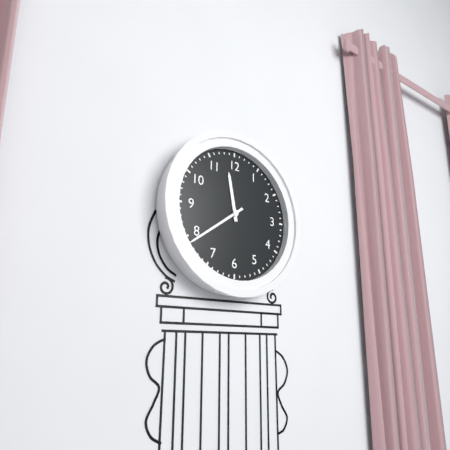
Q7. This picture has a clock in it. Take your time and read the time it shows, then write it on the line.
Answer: 11:39
